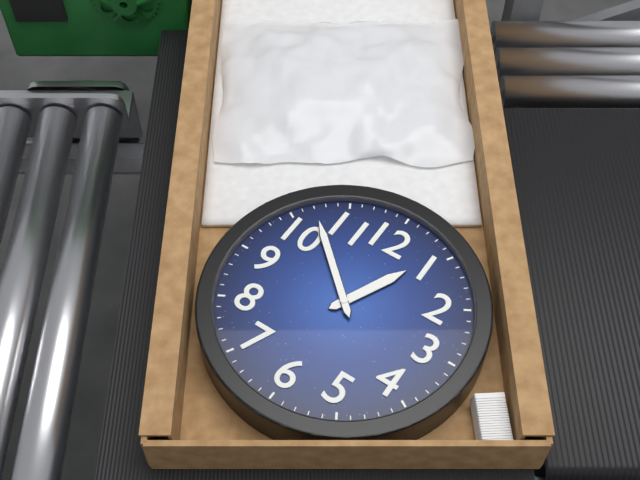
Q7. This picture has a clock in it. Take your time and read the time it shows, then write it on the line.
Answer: 12:52
